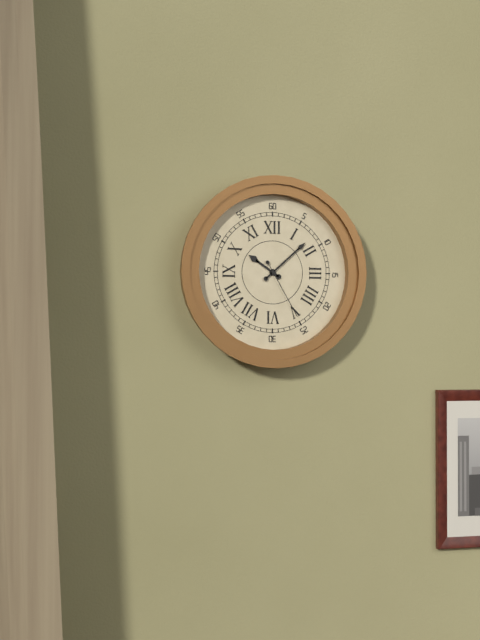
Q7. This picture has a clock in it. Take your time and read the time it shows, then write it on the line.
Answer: 10:08:25
